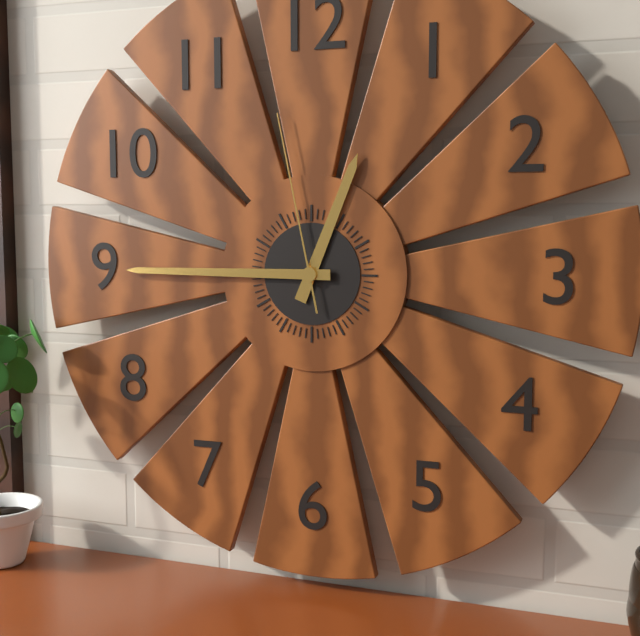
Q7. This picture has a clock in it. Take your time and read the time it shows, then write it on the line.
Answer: 12:45:58
